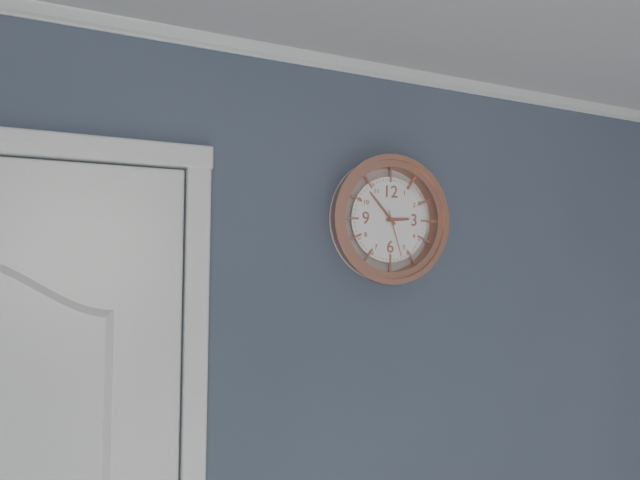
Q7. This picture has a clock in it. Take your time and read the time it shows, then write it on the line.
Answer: 2:53
